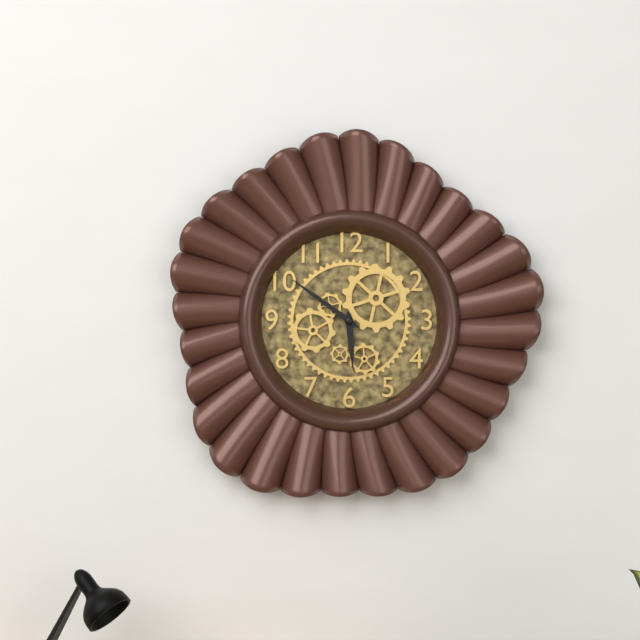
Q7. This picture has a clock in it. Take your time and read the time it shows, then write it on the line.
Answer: 5:51
